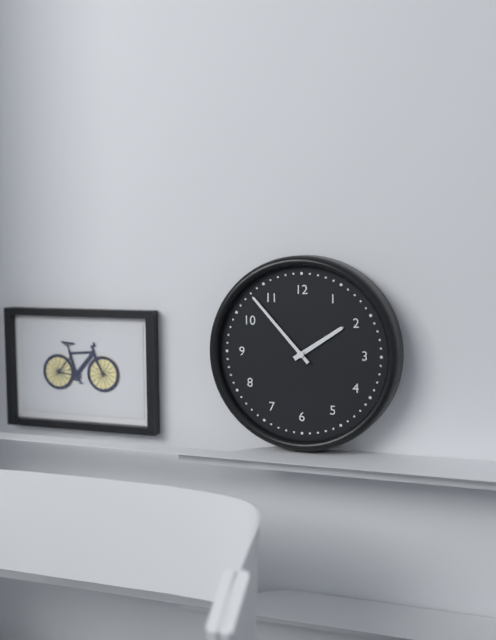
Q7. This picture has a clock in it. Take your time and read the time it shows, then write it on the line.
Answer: 1:53
